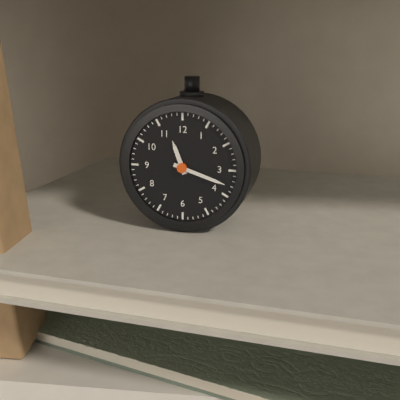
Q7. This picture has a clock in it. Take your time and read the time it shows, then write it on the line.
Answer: 11:18
